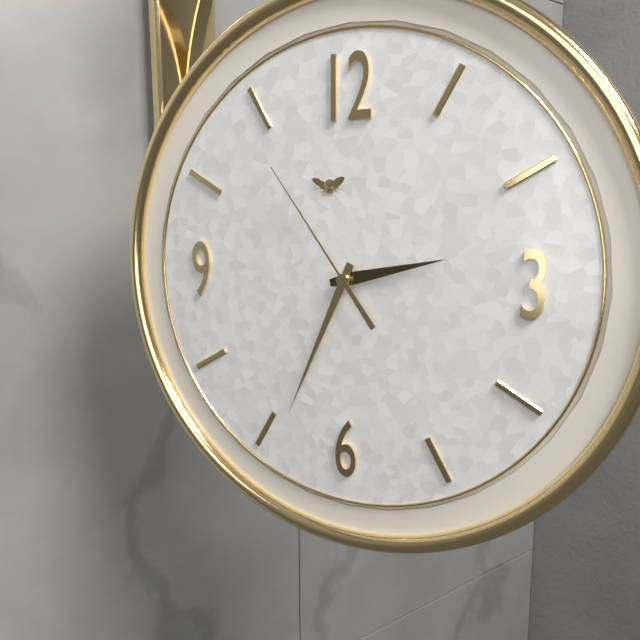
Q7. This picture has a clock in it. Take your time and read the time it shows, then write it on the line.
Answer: 2:34:54
